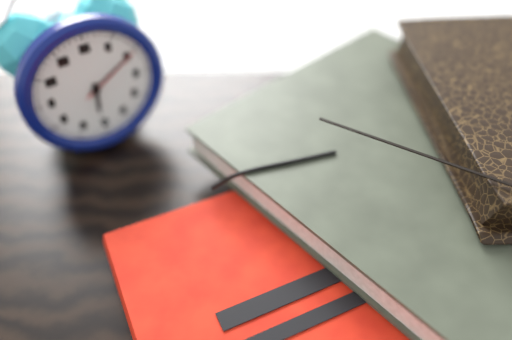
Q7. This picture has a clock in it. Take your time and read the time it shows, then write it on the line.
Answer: 6:10:10
